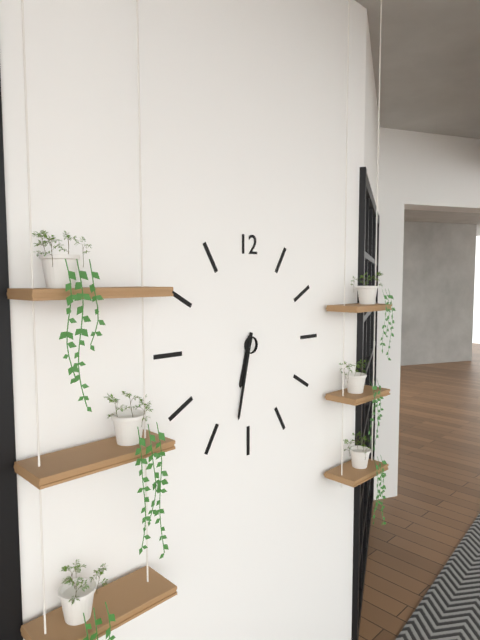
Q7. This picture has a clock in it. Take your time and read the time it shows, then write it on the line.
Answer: 6:32
